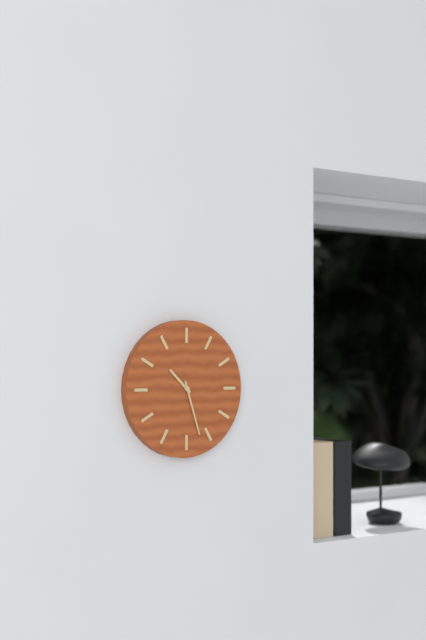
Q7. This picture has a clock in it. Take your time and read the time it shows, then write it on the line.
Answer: 10:27
